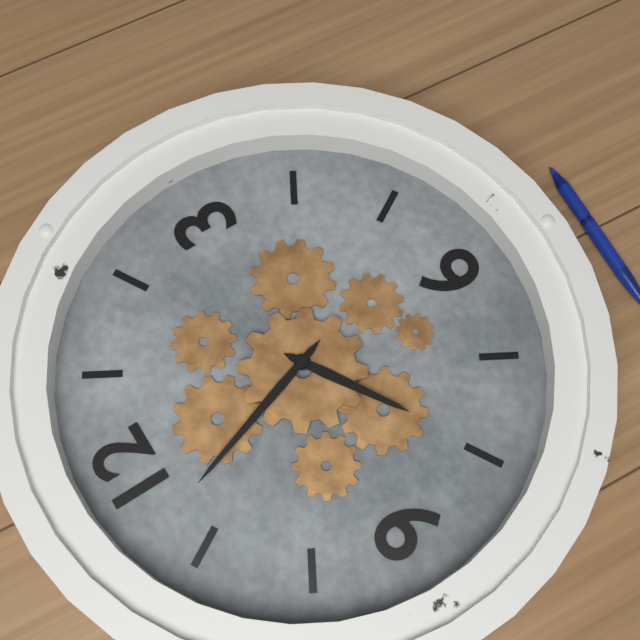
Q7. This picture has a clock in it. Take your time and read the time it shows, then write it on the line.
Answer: 7:57
